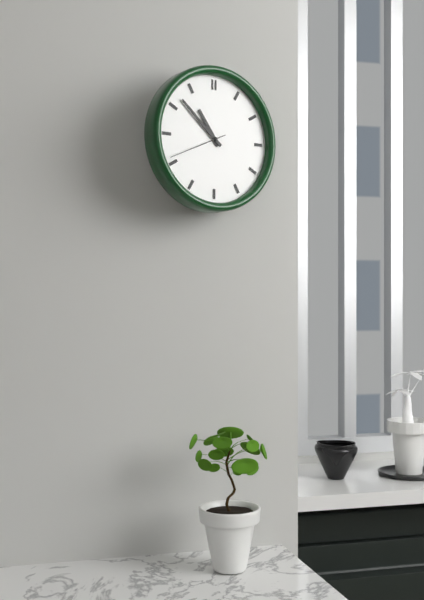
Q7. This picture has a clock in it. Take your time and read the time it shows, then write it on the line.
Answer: 10:52:41
